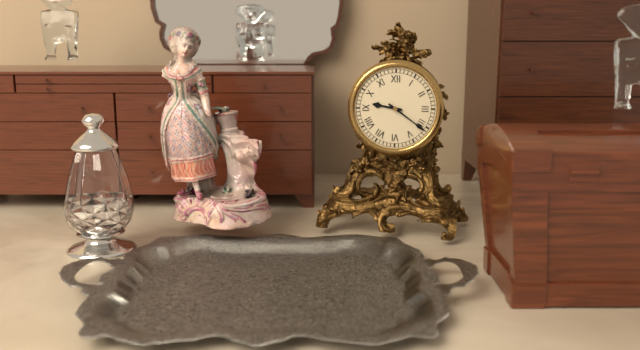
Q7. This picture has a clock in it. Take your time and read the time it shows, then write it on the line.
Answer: 9:21
